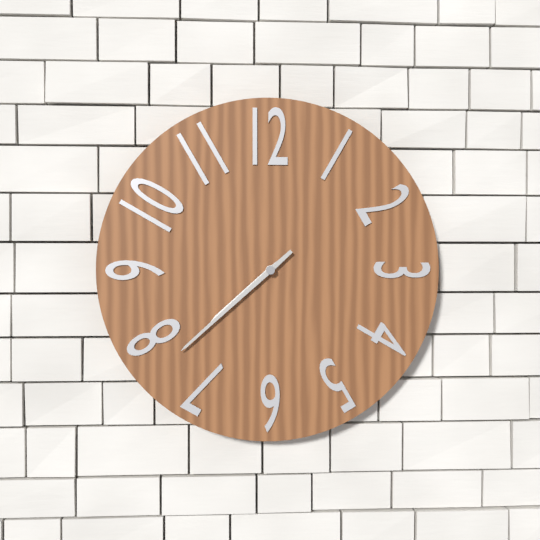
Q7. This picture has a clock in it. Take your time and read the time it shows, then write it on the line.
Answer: 7:38
